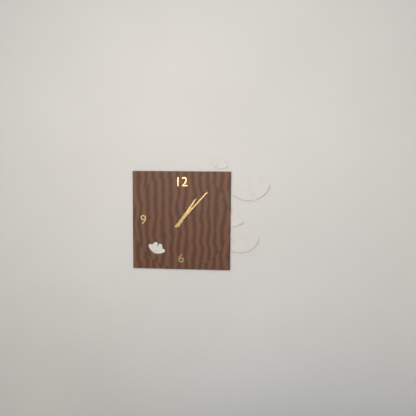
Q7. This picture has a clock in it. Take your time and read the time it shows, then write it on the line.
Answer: 1:07
